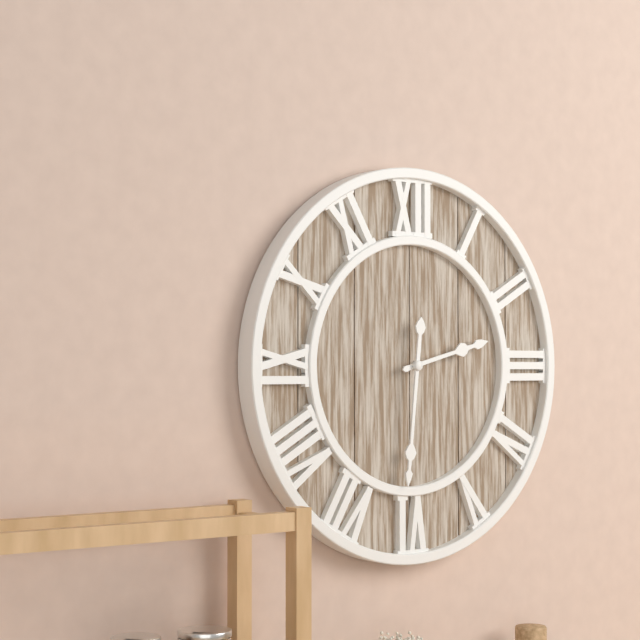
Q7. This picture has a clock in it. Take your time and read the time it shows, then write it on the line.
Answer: 2:31
